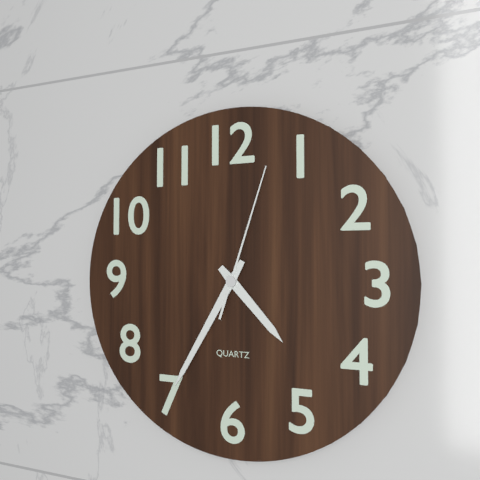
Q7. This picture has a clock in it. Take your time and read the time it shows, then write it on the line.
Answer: 4:35:03
